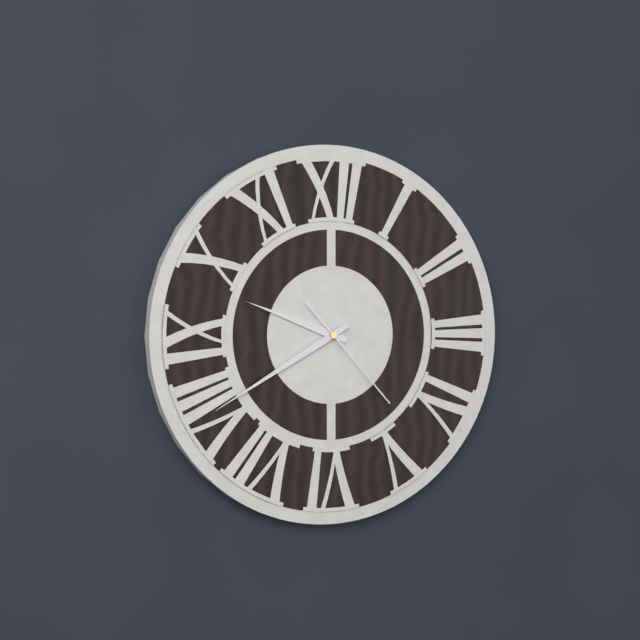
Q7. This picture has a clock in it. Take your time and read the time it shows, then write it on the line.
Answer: 9:40:23
